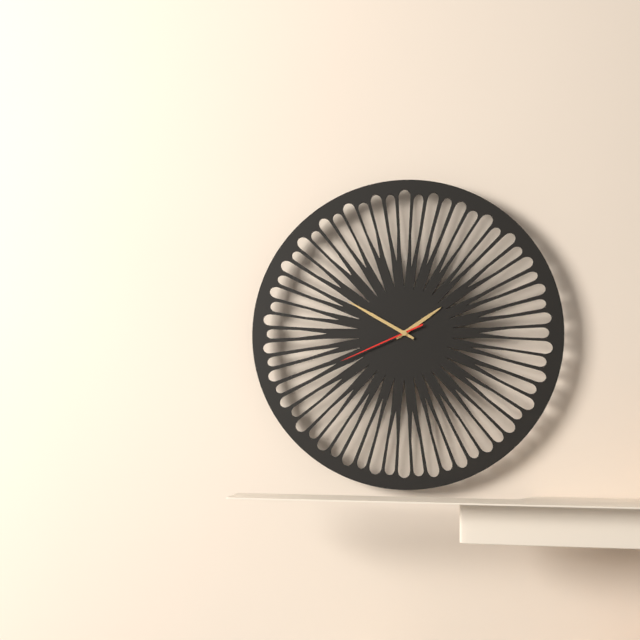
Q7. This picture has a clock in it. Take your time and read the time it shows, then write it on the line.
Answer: 1:50:41
